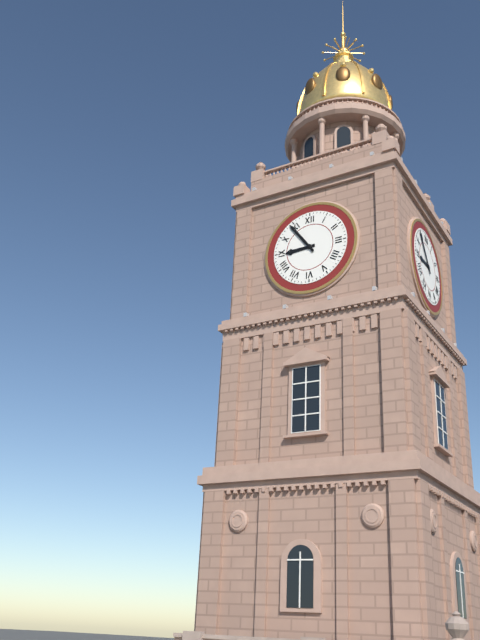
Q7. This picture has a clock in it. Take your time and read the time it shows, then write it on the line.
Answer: 8:54
